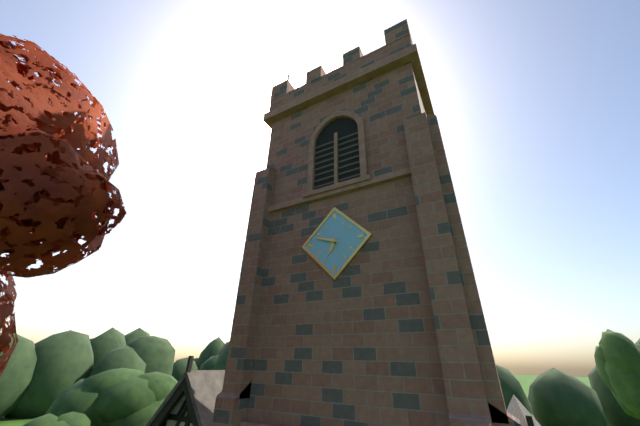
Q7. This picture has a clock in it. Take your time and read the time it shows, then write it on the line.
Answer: 6:48
